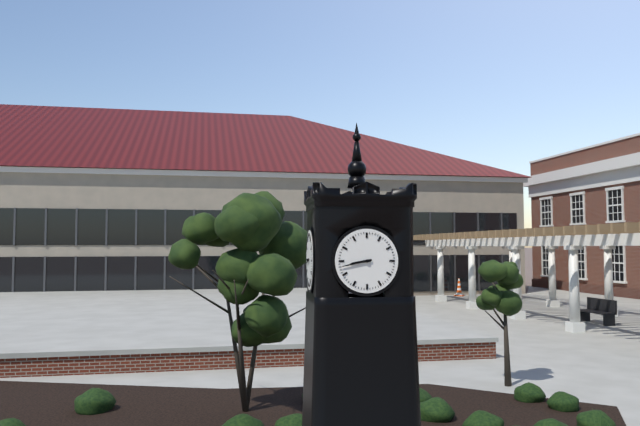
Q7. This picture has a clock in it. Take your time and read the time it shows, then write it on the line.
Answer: 8:43
